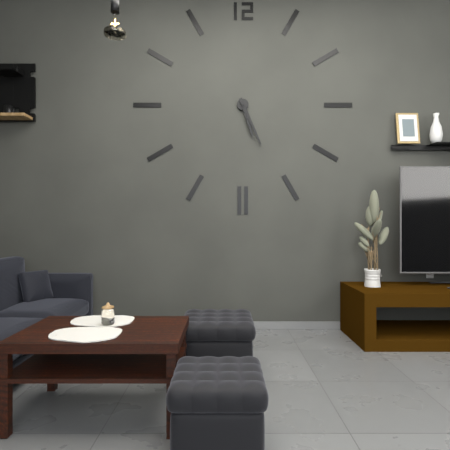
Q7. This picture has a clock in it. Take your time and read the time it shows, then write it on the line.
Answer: 5:26
